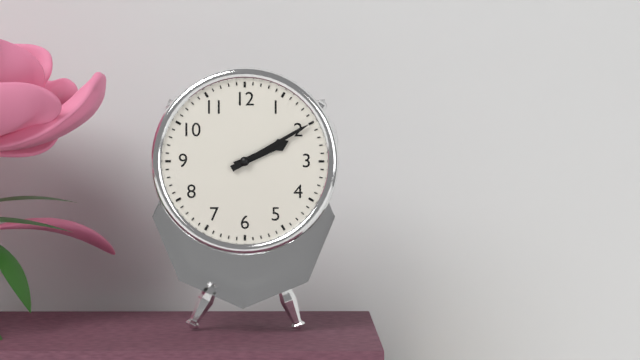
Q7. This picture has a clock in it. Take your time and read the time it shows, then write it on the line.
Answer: 2:10
